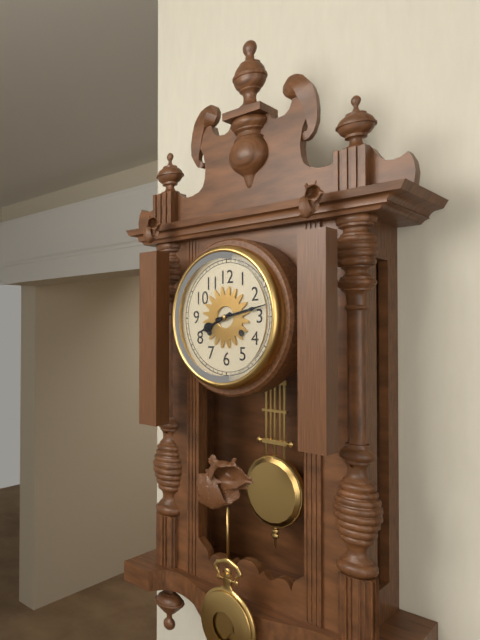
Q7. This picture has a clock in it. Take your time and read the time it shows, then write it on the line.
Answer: 8:13
